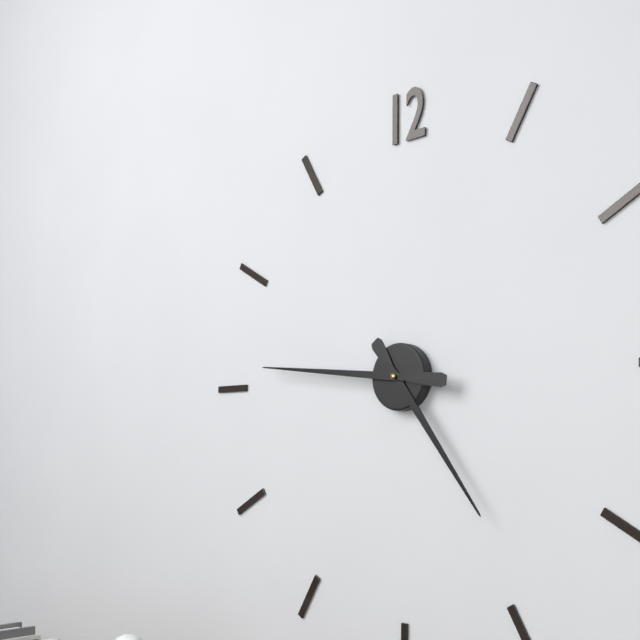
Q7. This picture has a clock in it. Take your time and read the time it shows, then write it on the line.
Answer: 4:46
